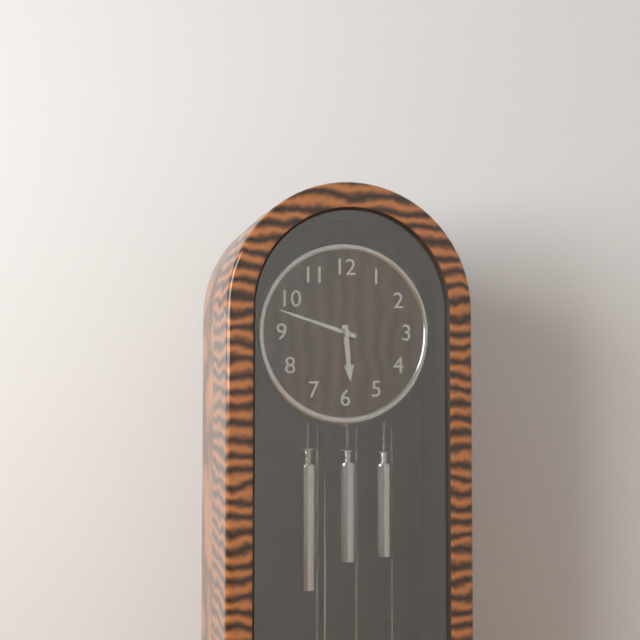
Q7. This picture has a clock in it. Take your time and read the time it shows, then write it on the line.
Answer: 5:48
